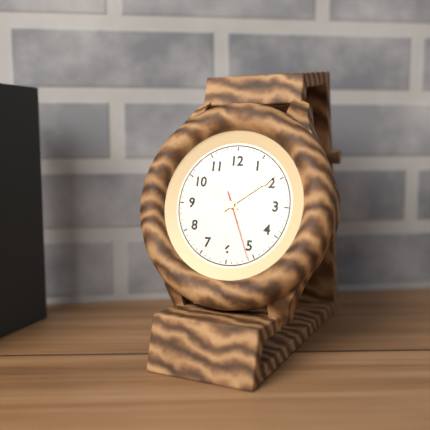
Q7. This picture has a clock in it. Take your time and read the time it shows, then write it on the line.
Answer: 10:09:26
